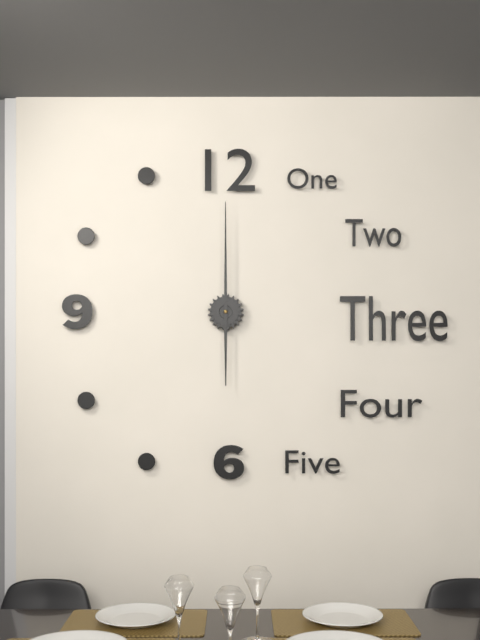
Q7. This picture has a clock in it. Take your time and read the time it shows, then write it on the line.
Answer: 6:00
